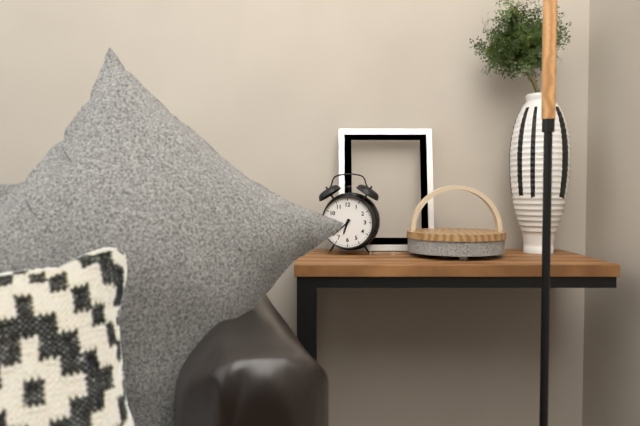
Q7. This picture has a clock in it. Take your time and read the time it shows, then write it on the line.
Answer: 6:38
